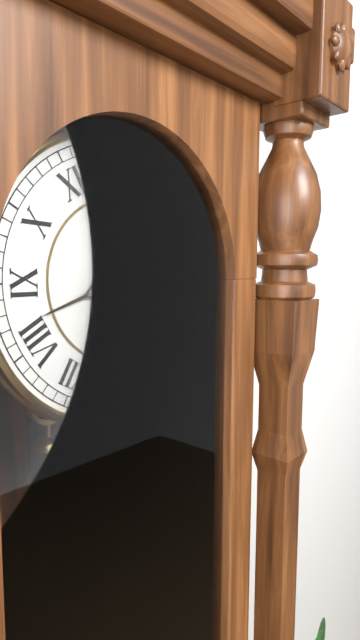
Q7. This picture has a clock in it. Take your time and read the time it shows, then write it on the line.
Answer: 4:42
